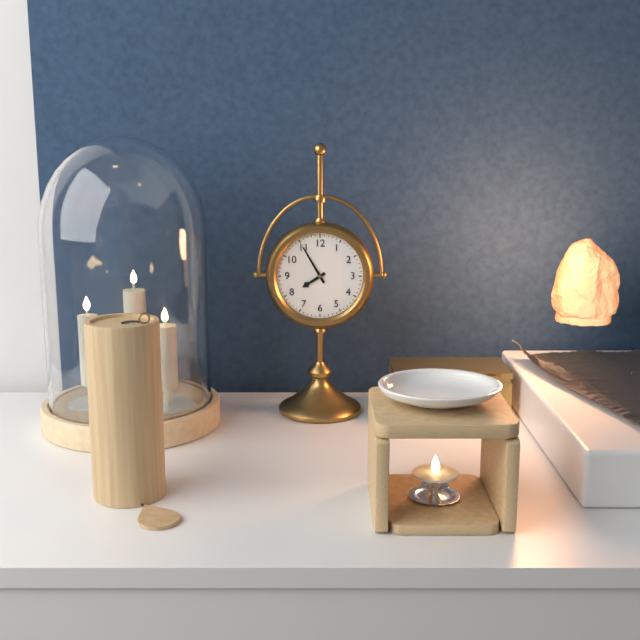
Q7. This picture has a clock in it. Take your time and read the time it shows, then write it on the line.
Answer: 7:55
